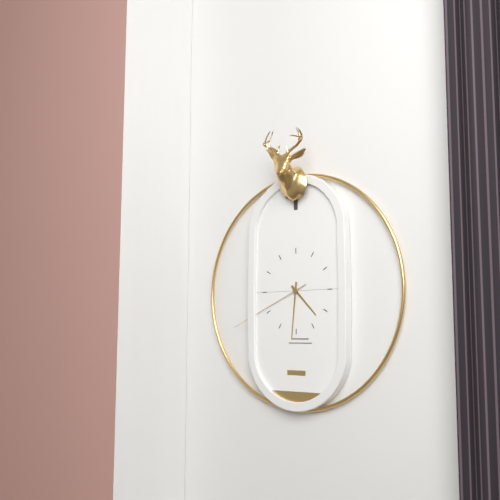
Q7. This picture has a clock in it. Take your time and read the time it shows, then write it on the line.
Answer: 4:31:41
